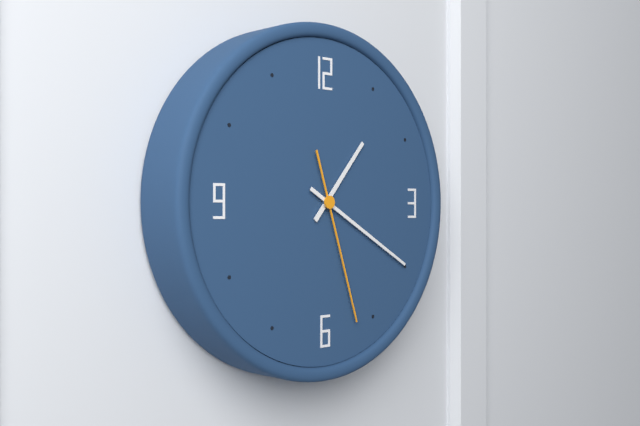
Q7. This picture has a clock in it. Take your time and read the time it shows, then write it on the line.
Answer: 1:20:27
